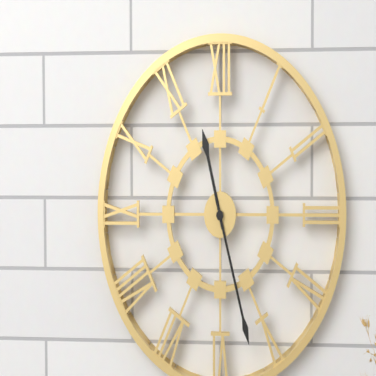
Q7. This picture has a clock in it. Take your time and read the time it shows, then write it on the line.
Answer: 11:27
